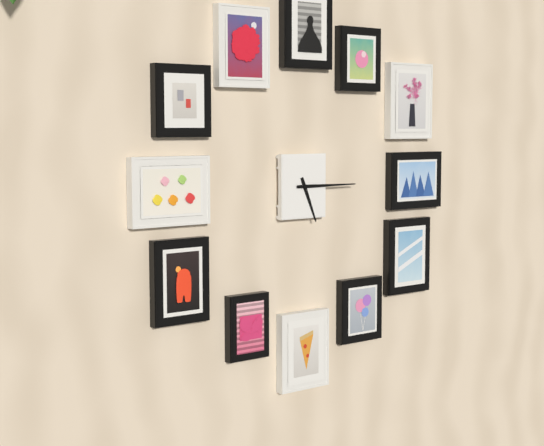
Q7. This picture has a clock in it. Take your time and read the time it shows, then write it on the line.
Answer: 5:15
